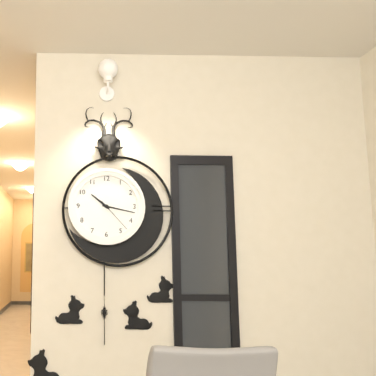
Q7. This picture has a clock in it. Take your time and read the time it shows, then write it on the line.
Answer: 10:17
